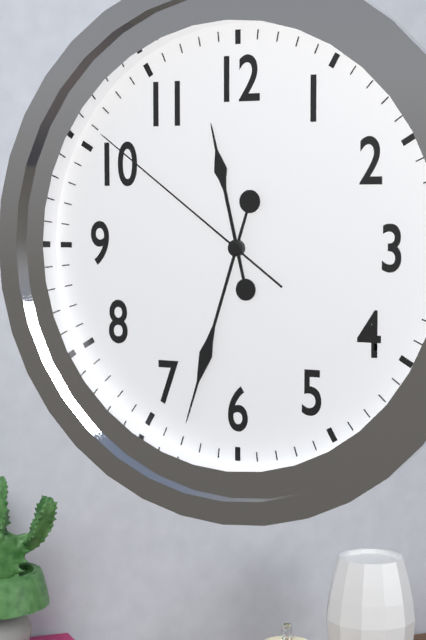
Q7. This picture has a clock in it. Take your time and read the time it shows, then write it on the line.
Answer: 11:33:51
